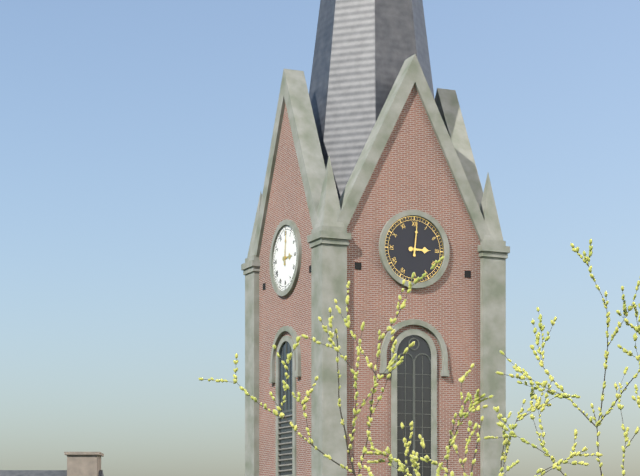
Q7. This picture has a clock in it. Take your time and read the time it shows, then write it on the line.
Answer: 3:01
